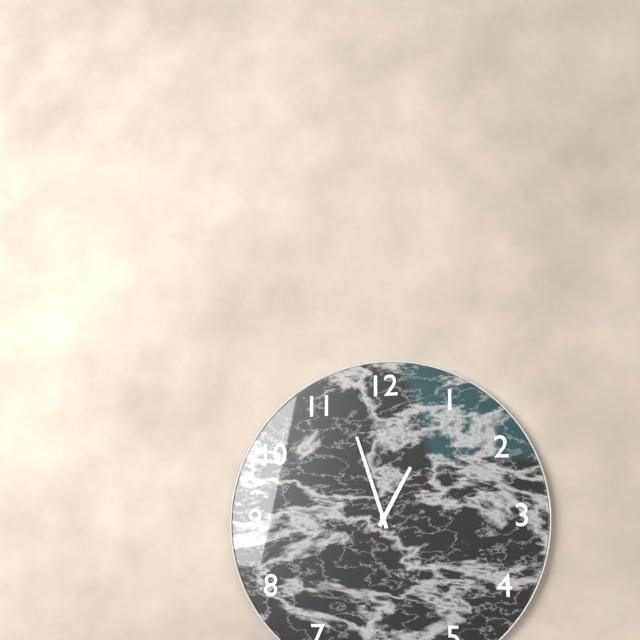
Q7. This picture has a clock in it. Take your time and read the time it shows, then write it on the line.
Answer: 12:57
